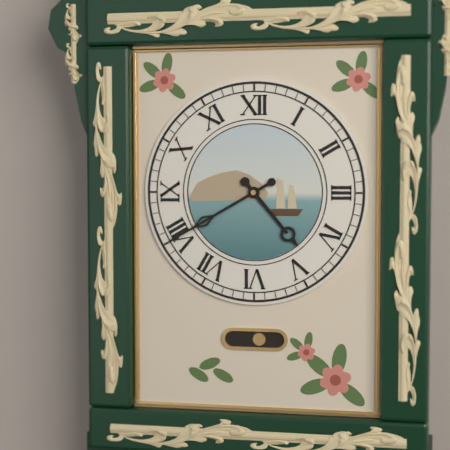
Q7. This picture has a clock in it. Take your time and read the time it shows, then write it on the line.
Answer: 4:40
